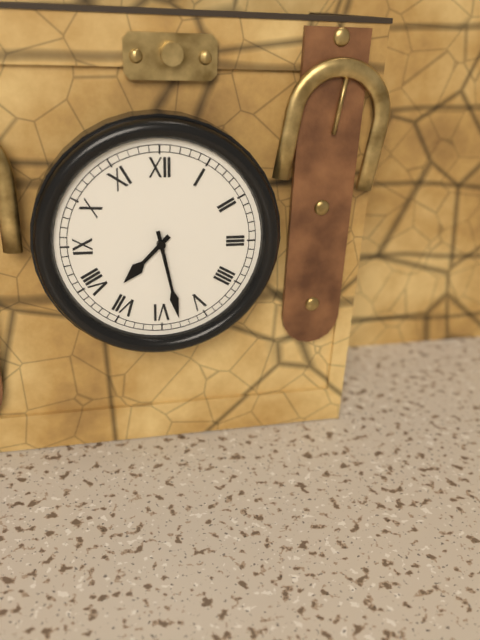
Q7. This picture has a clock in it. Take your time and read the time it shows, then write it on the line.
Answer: 7:28
